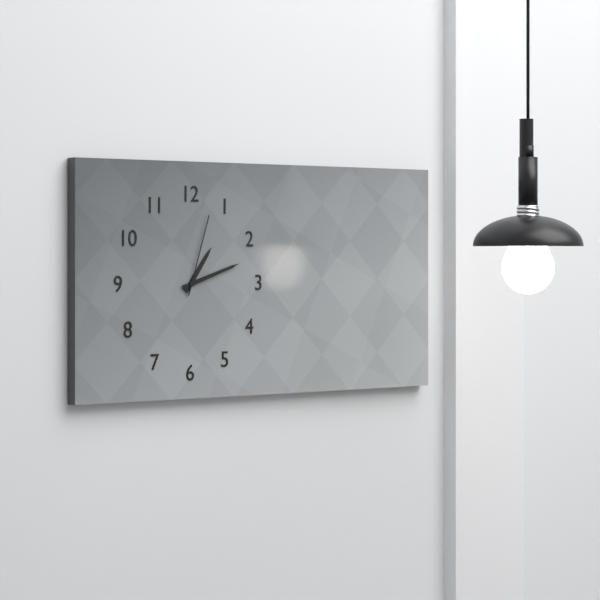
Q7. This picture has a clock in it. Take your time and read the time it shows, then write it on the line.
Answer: 1:12:03
